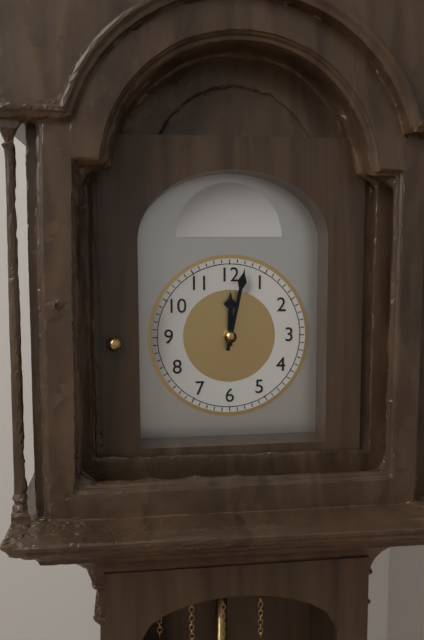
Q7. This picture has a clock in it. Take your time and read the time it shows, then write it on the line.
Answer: 12:02
